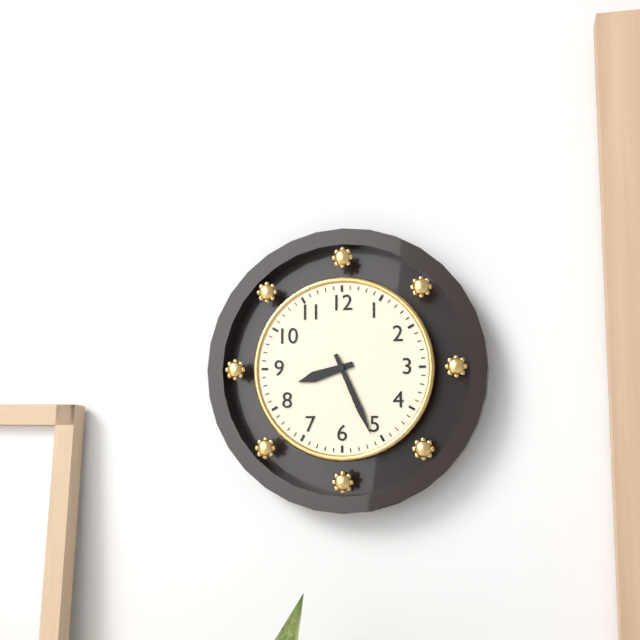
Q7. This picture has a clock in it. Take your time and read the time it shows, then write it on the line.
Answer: 8:26
